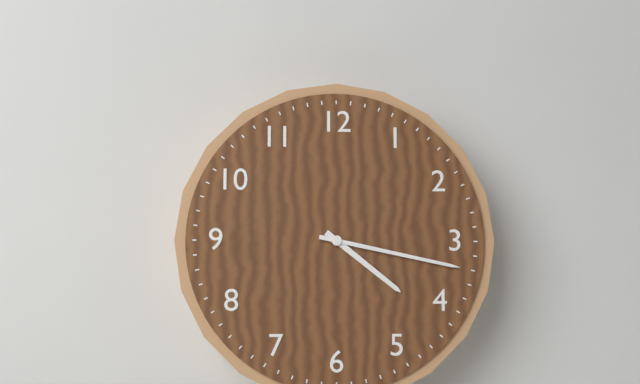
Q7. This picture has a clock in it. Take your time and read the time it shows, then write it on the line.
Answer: 4:17
